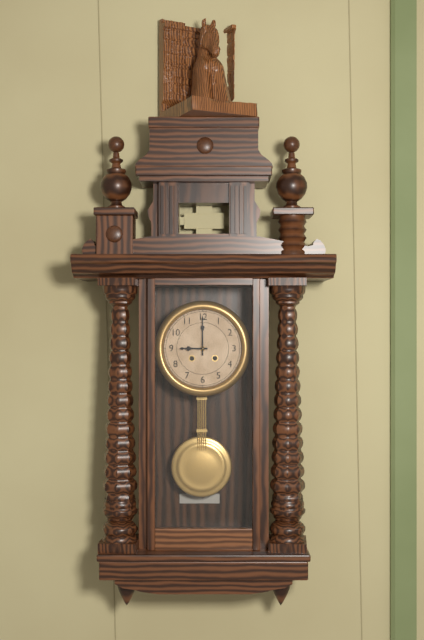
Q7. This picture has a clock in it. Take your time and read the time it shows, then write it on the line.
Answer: 9:00
